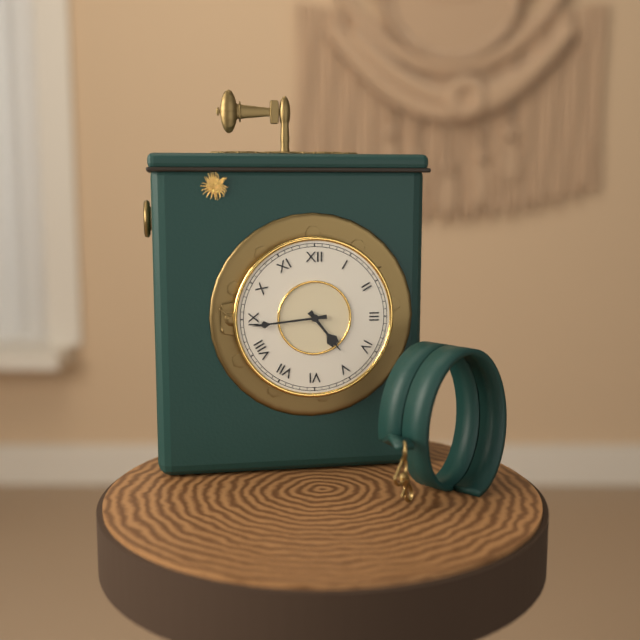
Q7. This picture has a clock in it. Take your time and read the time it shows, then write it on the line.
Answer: 4:44
